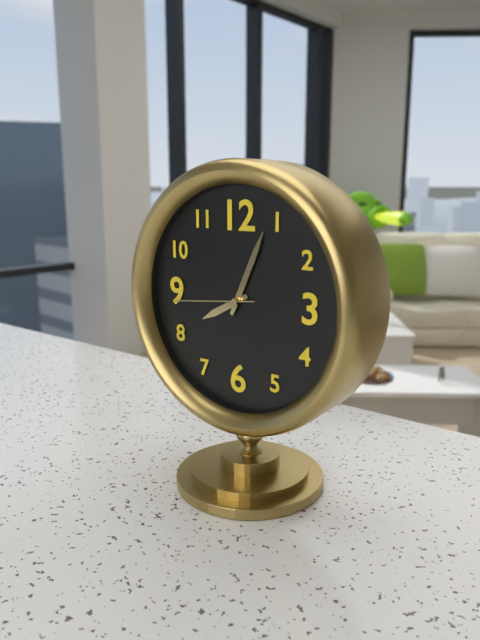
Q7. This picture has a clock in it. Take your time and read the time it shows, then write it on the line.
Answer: 8:04:44
